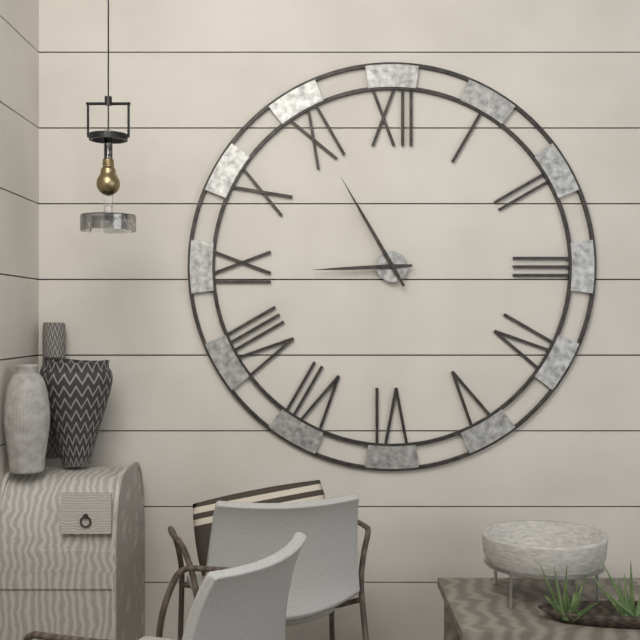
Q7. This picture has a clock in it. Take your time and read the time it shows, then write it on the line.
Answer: 8:55
